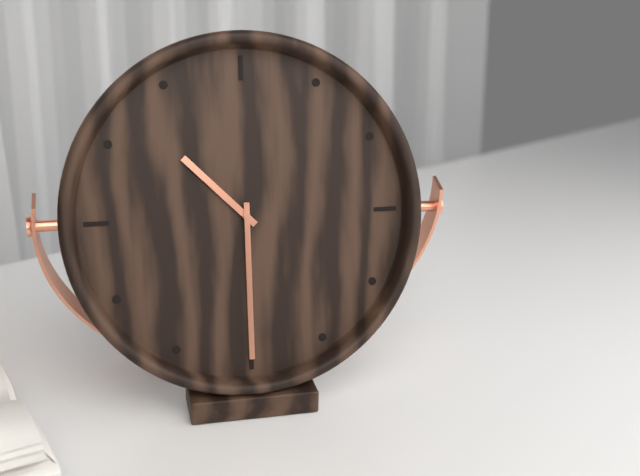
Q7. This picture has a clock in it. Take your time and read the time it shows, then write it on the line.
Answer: 10:30
